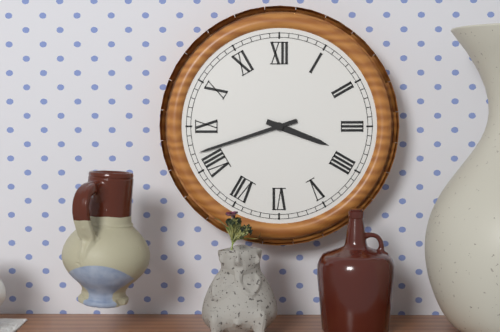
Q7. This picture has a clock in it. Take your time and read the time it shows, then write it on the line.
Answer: 3:42
